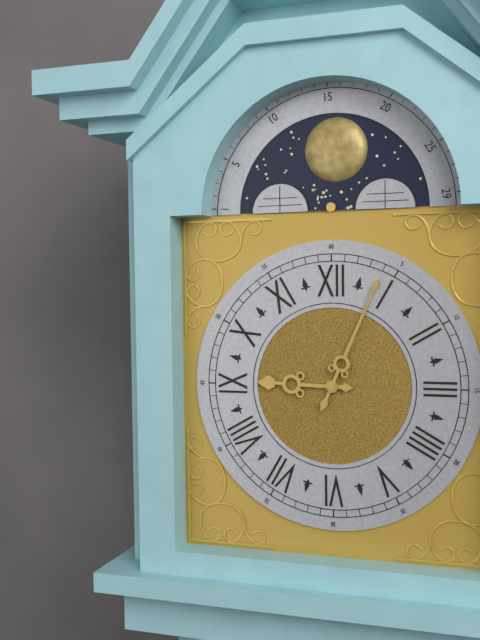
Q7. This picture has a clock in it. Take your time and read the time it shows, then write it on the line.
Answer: 9:04
